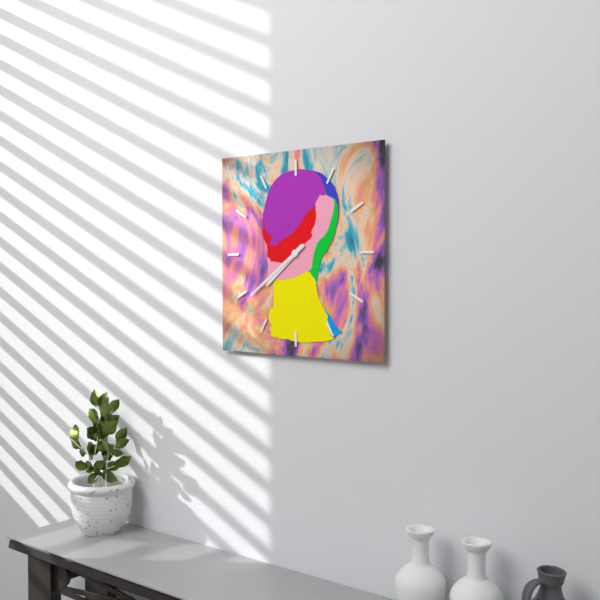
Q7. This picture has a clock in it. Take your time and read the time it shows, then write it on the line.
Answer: 7:39
